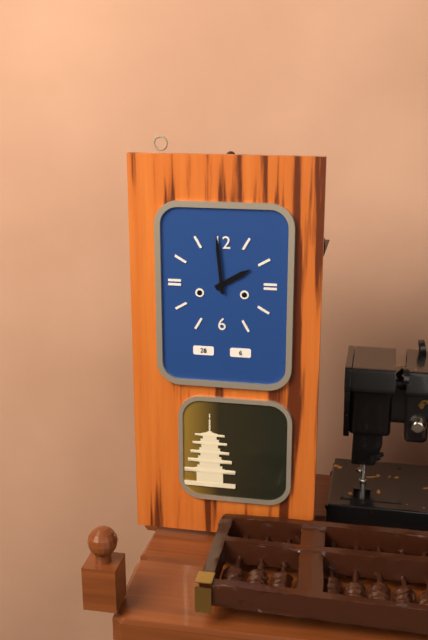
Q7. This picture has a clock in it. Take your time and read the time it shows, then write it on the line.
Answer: 1:59
